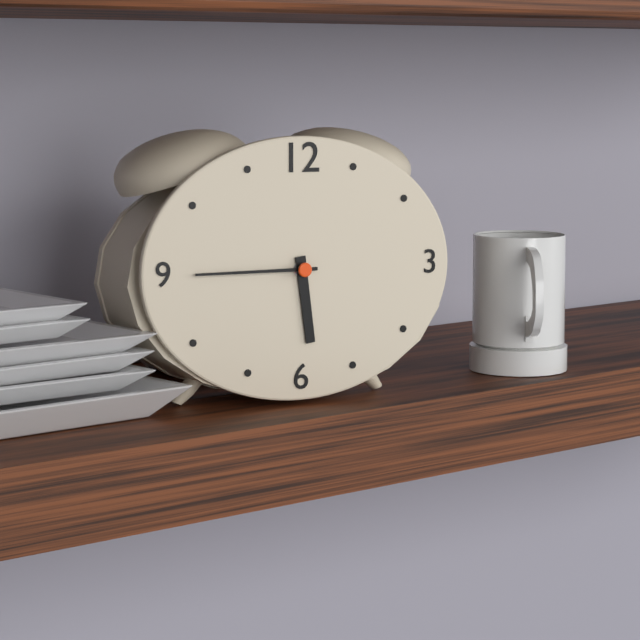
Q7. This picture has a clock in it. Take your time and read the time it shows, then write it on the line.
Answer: 5:45
